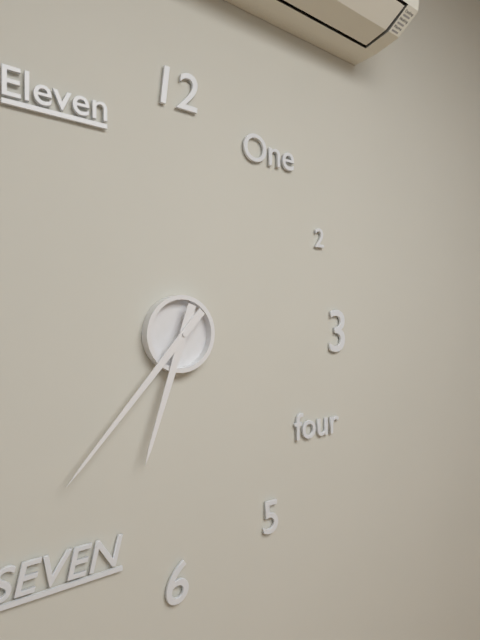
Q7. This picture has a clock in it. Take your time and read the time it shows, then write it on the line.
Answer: 6:37
